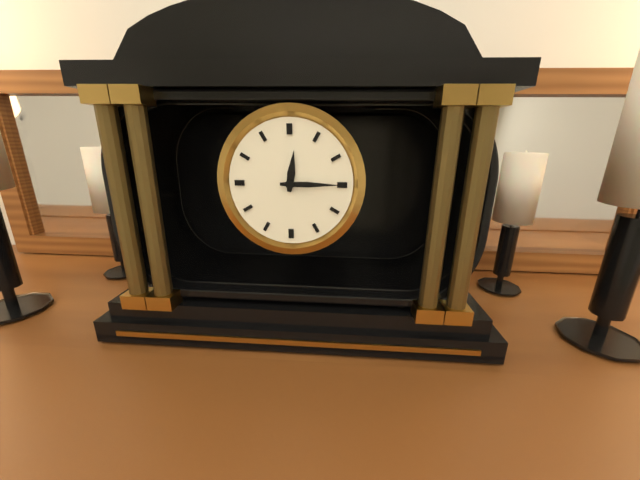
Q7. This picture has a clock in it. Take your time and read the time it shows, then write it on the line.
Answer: 12:15
